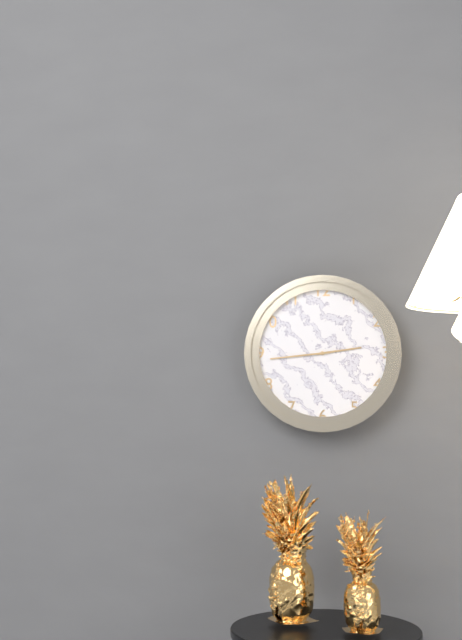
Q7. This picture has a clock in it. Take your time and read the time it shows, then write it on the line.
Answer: 2:44
